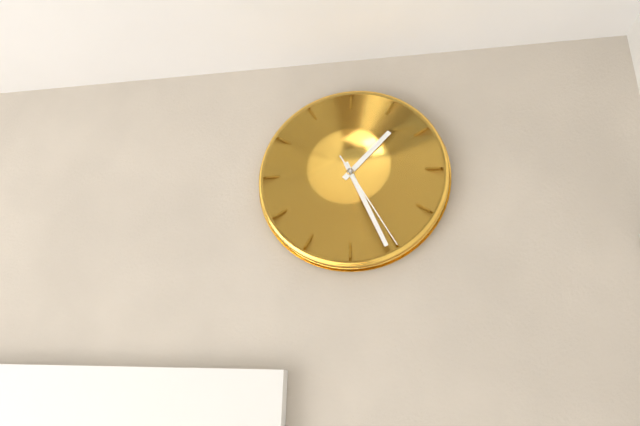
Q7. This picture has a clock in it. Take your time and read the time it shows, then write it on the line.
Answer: 1:26:25
